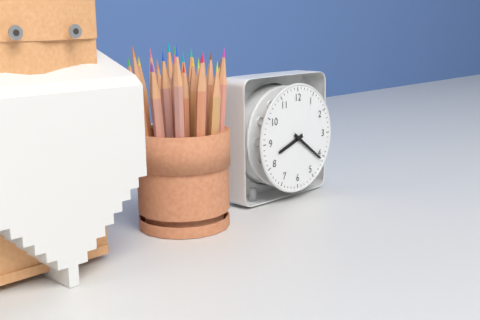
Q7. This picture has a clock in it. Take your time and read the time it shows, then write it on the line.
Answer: 8:21
